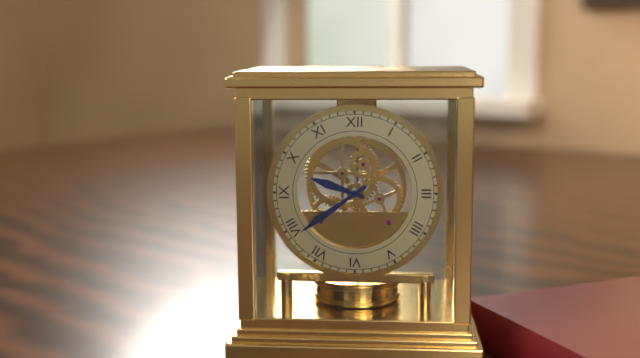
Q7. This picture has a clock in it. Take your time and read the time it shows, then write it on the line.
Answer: 9:39
